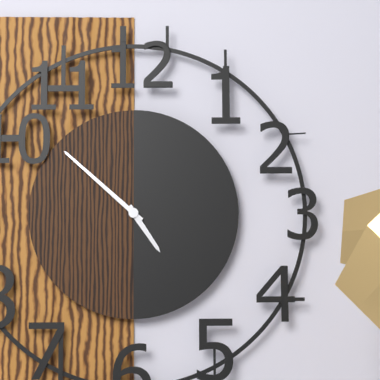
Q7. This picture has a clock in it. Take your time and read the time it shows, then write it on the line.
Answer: 4:52
